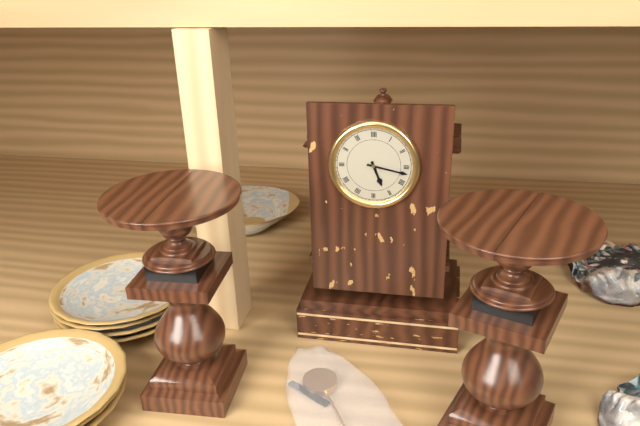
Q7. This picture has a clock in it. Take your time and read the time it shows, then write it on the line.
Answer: 5:17
